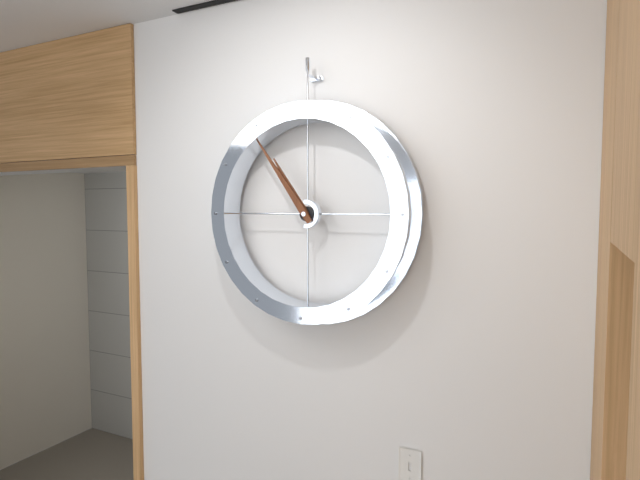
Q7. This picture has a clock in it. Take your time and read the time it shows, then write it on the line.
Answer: 10:54
